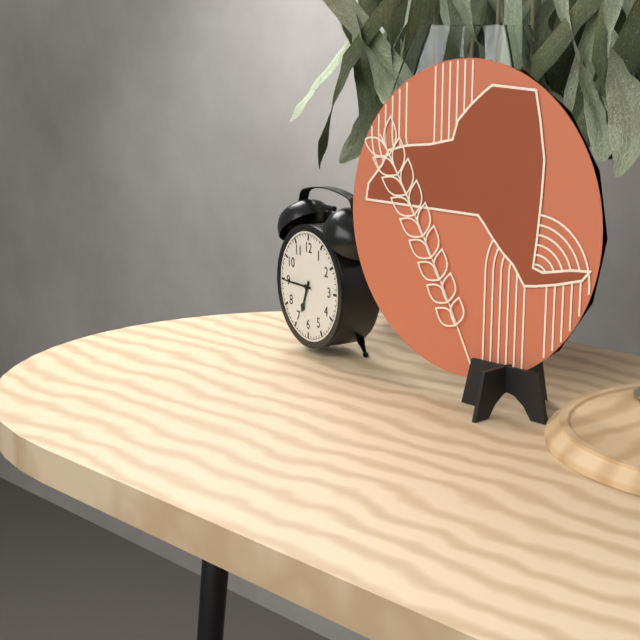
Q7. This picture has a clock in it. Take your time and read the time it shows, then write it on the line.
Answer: 6:45
